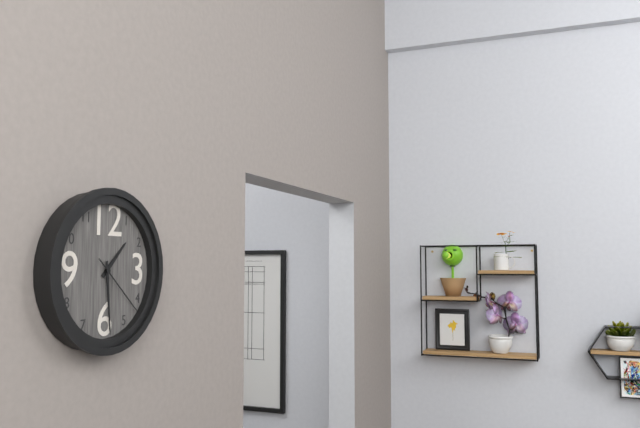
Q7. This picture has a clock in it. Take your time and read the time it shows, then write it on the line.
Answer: 1:29:22
